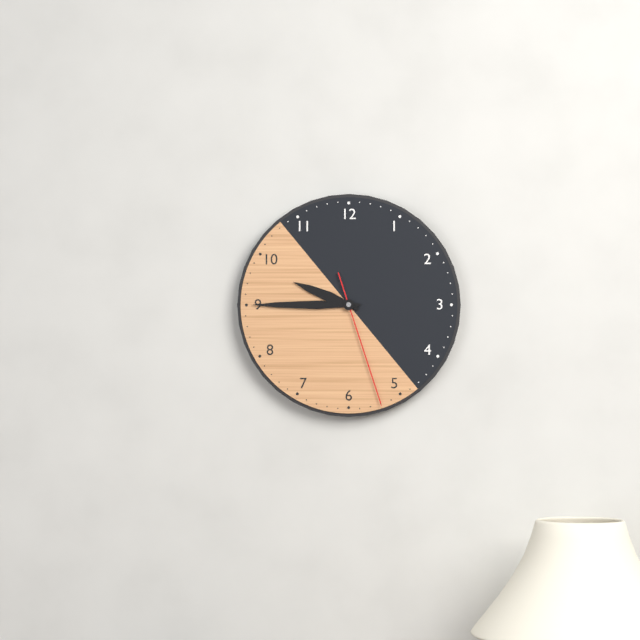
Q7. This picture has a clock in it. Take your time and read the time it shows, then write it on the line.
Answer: 9:45:27
